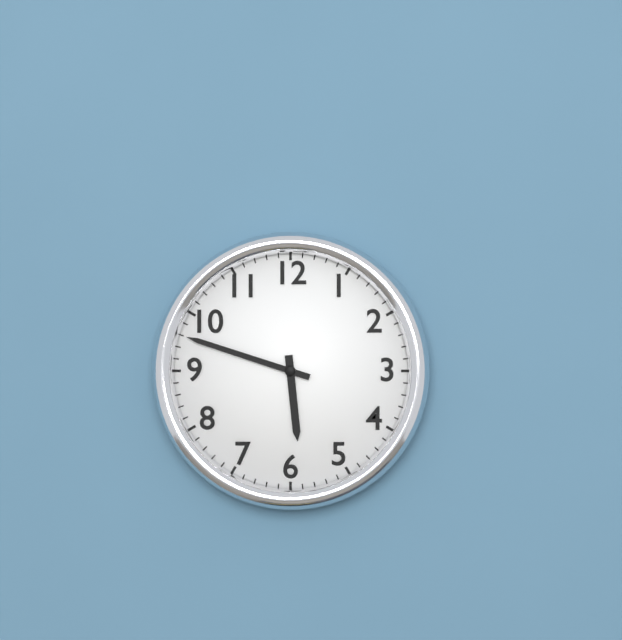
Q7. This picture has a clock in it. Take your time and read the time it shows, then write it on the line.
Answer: 5:48
